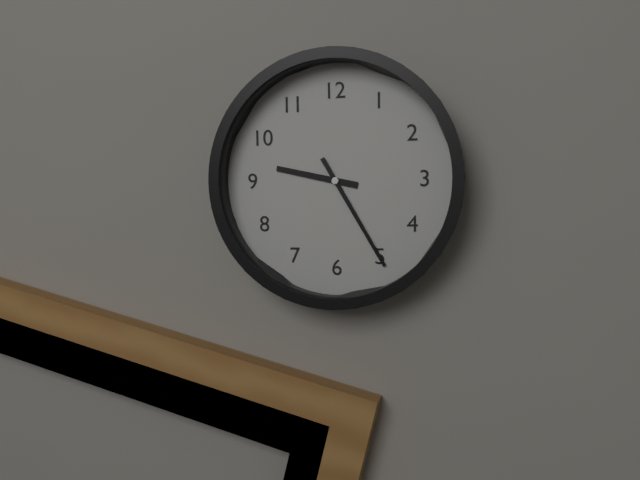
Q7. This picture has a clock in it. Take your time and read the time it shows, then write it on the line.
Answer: 9:25
